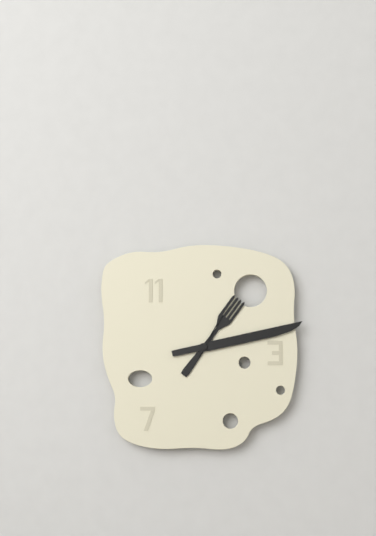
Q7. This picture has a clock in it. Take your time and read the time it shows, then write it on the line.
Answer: 1:13:05
